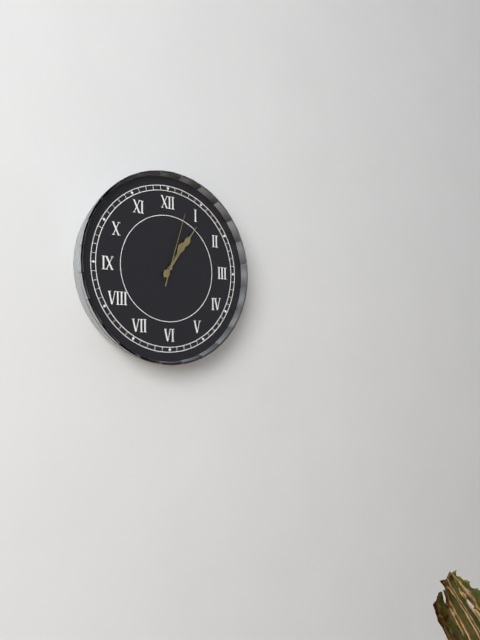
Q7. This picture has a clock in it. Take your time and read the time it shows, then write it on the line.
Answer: 1:06:03
